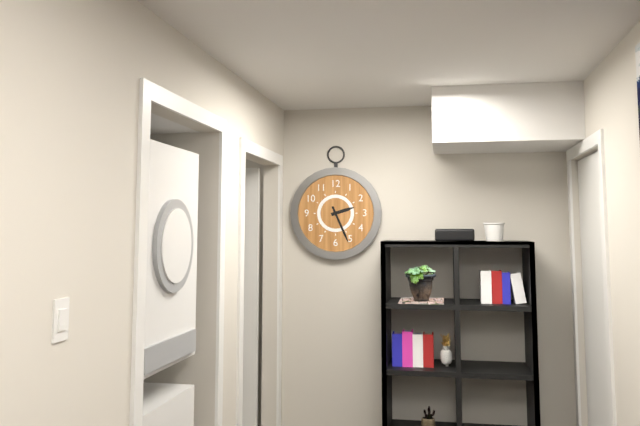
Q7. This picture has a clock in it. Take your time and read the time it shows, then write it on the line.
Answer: 2:26
